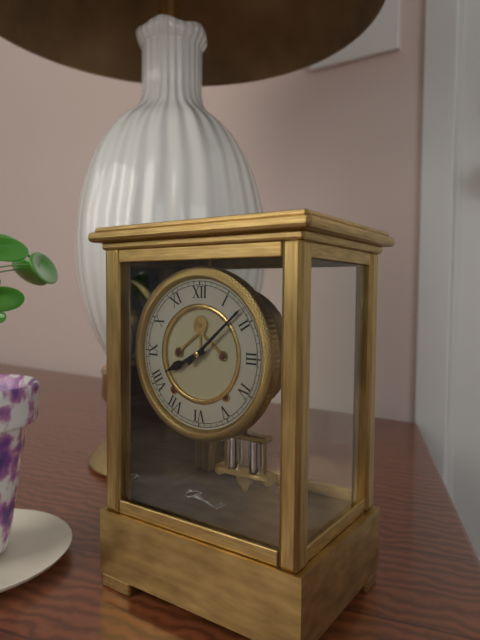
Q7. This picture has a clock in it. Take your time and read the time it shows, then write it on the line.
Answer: 8:08
